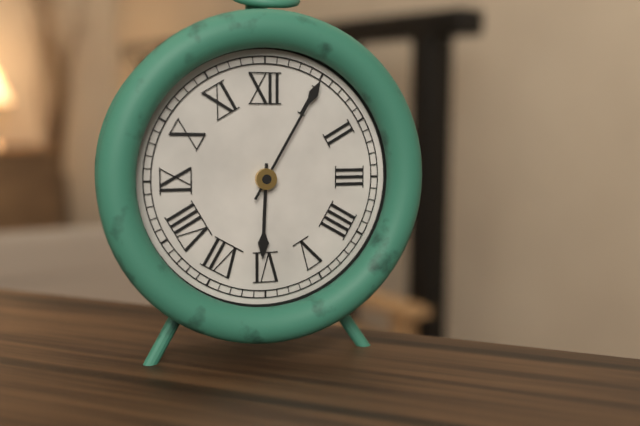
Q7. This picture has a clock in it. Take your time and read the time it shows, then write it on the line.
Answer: 6:05
